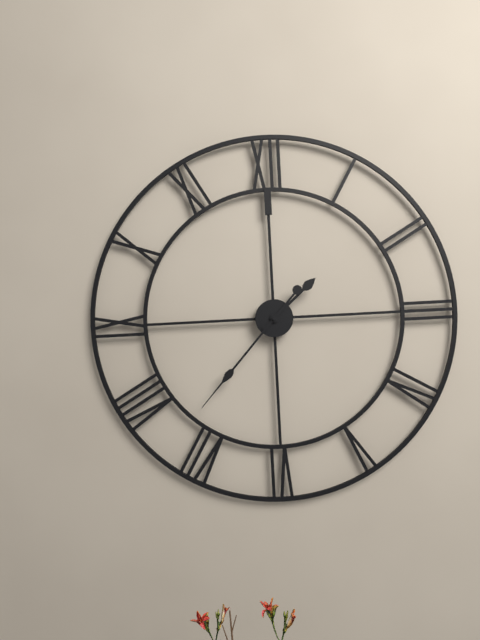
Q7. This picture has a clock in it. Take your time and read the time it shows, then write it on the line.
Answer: 1:37
